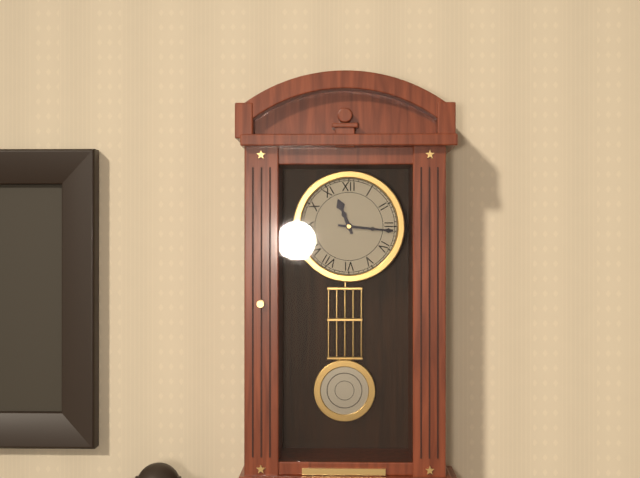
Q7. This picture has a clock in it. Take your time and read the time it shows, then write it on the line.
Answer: 11:16
